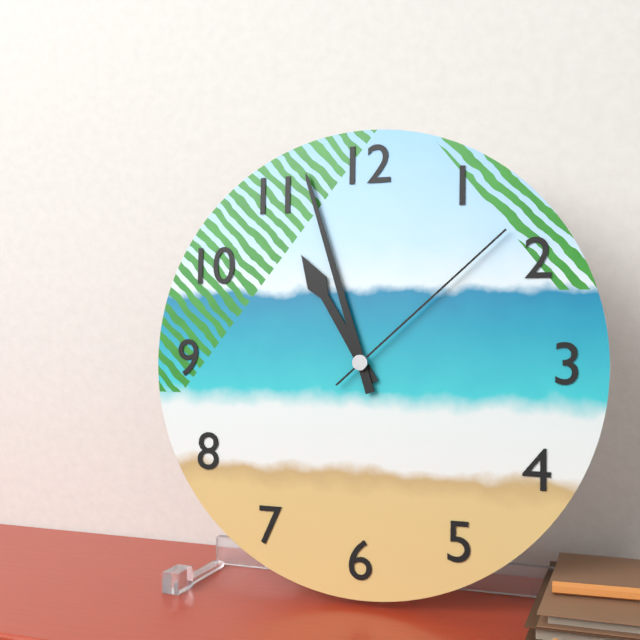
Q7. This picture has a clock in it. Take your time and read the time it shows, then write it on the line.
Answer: 10:57:08
